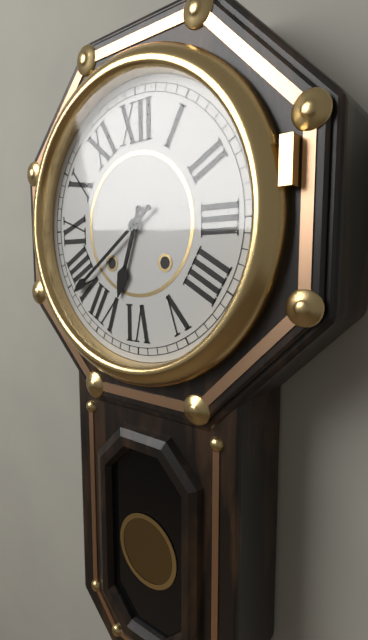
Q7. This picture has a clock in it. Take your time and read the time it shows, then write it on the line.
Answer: 6:39
